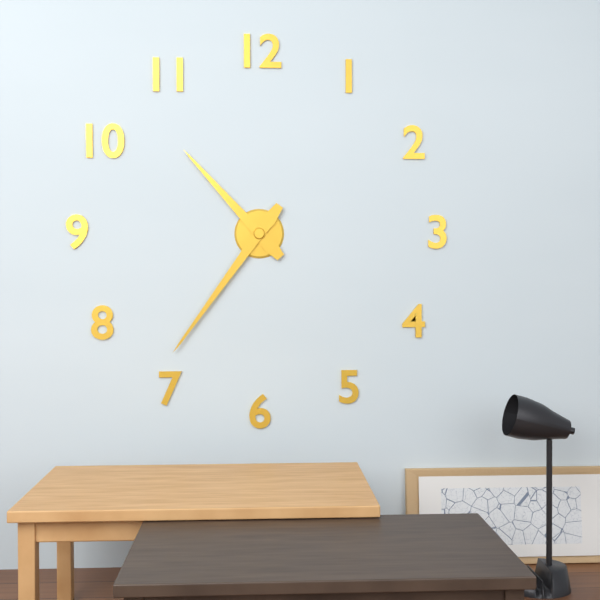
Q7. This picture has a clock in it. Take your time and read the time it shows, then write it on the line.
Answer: 10:36
